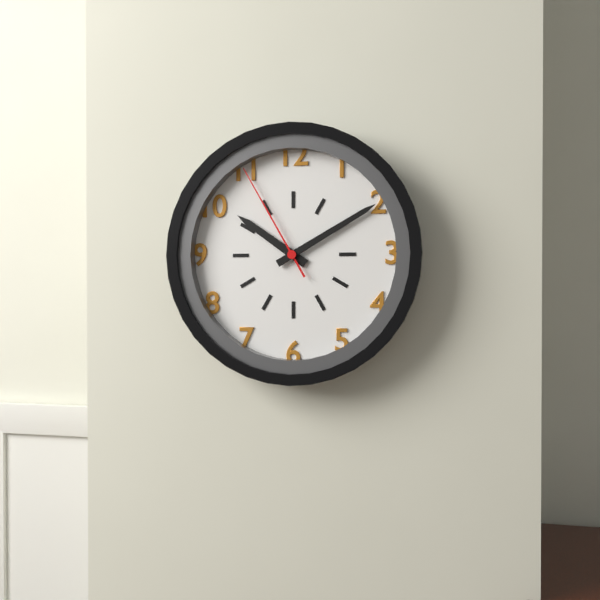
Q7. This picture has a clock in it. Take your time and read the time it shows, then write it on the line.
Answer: 10:10:55
